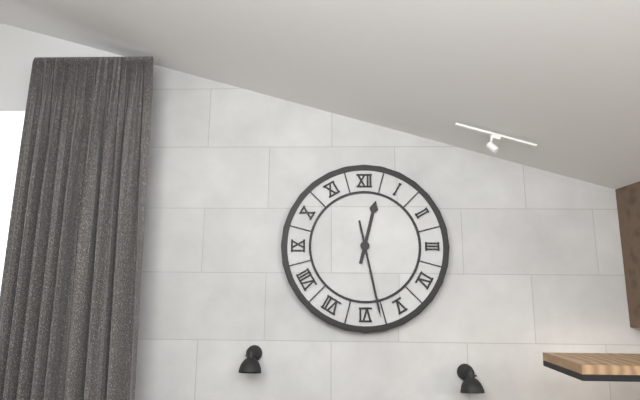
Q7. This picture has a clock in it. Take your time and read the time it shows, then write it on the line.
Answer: 12:28
